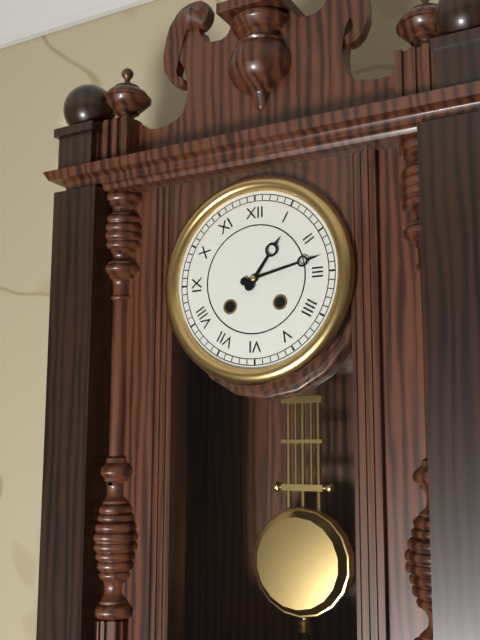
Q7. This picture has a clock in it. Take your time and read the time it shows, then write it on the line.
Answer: 1:13
